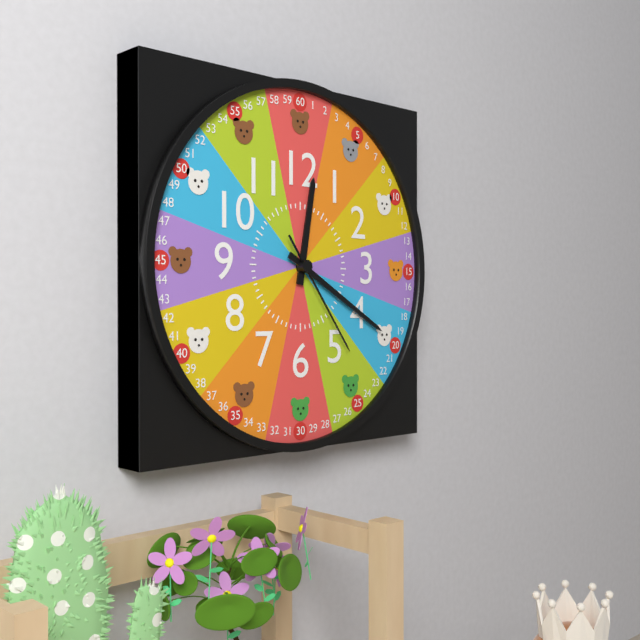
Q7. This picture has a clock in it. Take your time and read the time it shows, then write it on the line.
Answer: 12:20:24
